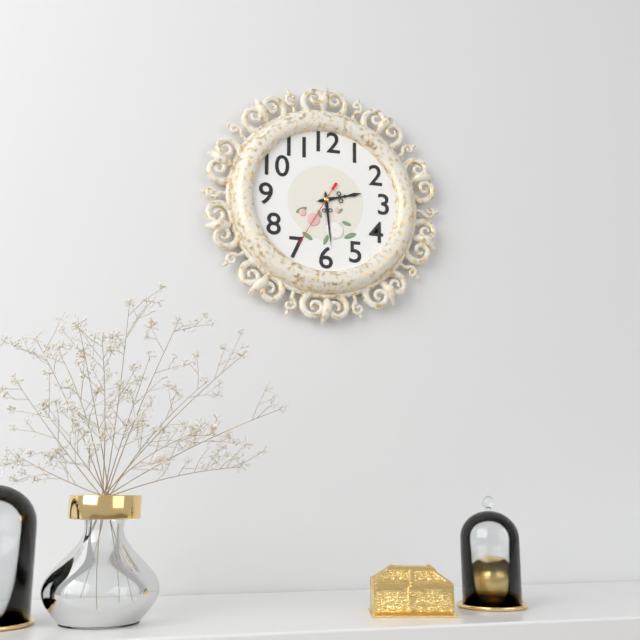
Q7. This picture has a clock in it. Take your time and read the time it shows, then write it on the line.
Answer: 2:29:35
